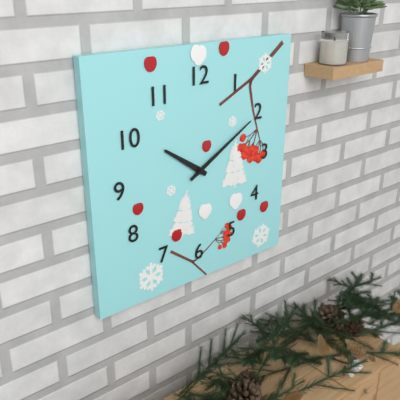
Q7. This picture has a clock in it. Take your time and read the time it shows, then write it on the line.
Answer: 10:10
